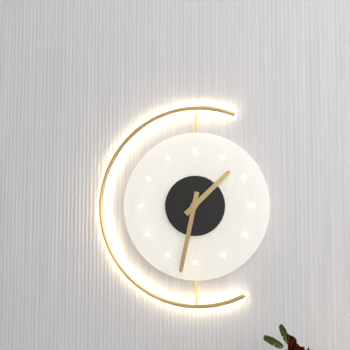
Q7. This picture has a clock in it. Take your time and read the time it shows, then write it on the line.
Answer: 1:32
